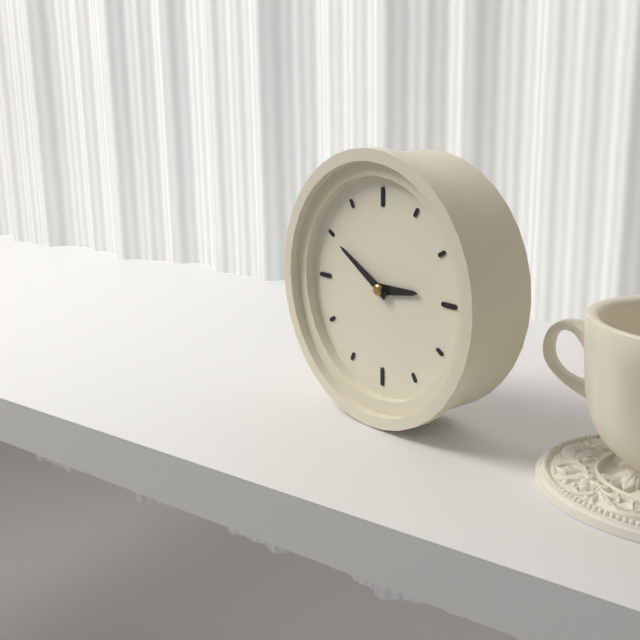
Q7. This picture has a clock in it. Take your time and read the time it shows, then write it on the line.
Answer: 2:50
